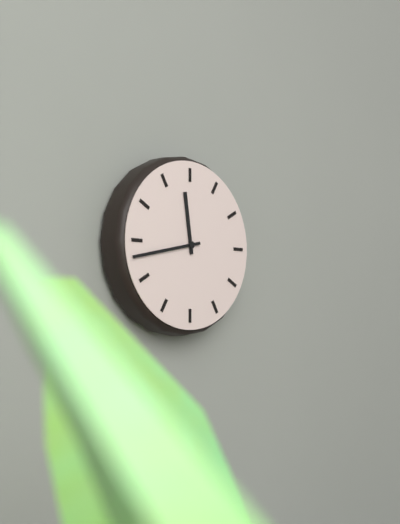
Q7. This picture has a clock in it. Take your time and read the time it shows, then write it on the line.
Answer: 11:43
